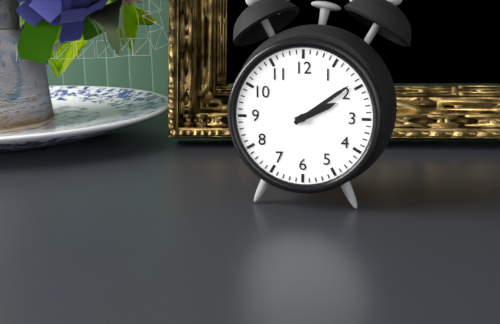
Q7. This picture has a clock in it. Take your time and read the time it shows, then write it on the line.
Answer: 2:09
